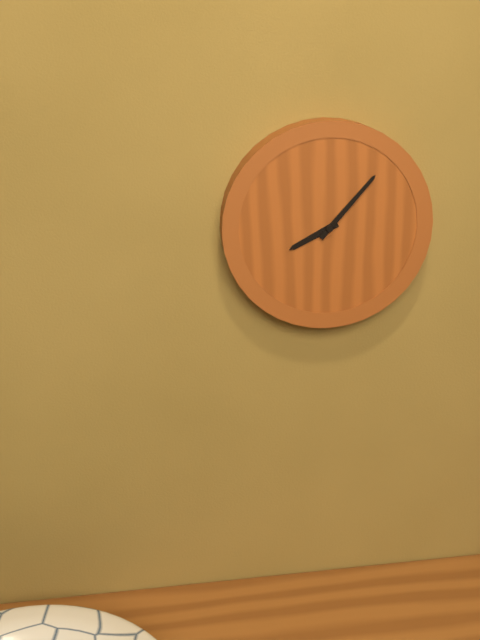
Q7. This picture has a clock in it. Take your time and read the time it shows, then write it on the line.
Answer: 8:07
